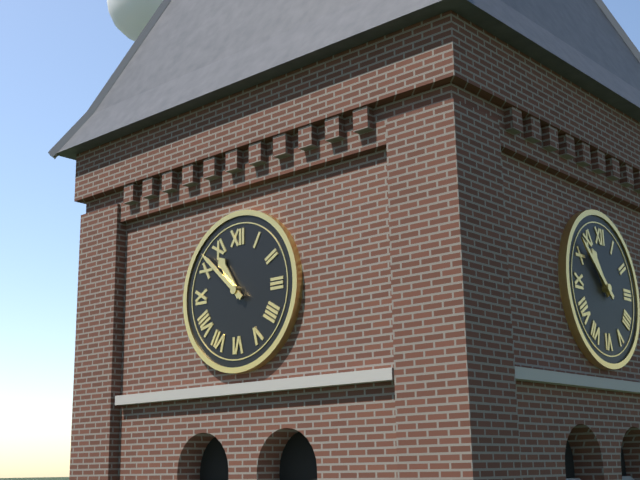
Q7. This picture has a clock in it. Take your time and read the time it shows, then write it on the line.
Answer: 10:52
